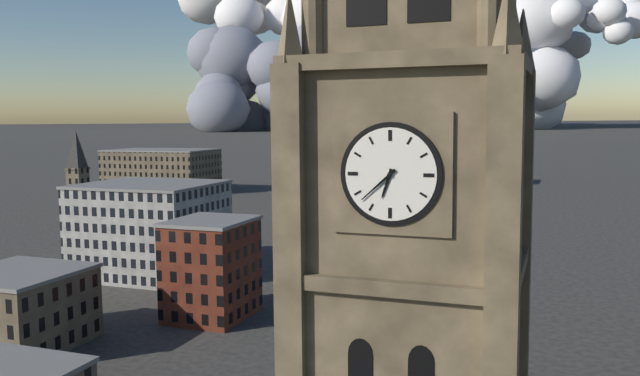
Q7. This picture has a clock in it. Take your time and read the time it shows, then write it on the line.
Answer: 6:38
